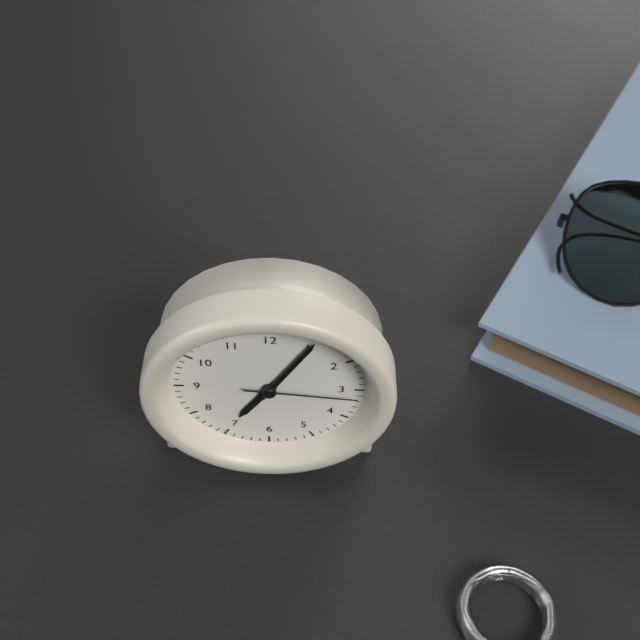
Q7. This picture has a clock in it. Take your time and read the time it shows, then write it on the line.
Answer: 7:05:16
